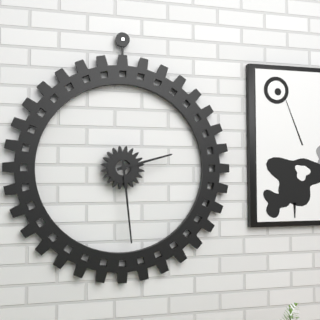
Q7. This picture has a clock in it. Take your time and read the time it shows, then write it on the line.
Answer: 2:29
